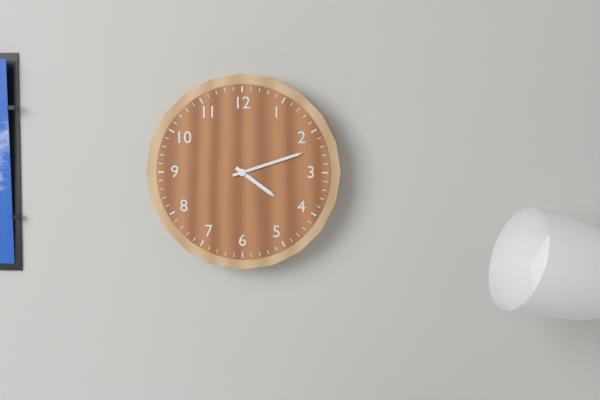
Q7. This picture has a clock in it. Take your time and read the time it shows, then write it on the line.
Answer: 4:12
